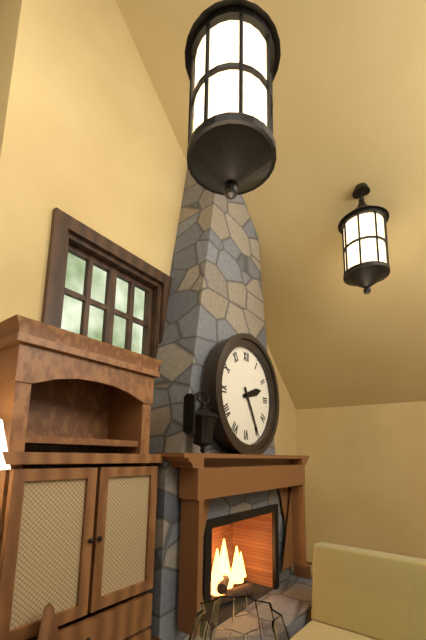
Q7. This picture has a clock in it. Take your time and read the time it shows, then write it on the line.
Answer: 2:25
